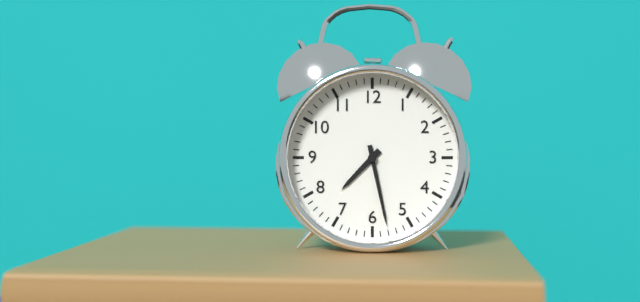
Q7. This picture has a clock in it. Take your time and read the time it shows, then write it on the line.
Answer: 7:28
